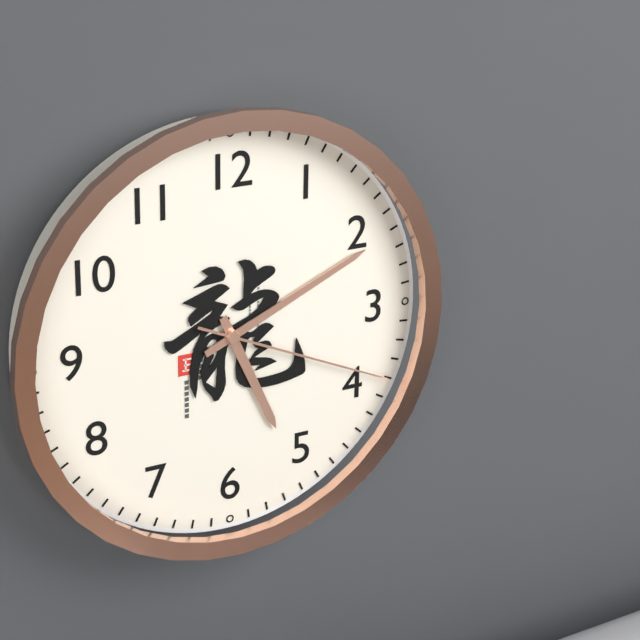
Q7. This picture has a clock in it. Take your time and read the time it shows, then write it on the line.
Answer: 5:11:19
